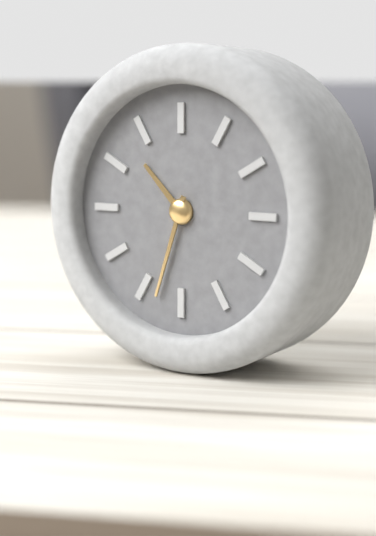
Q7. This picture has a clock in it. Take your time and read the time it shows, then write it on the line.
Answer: 10:33
